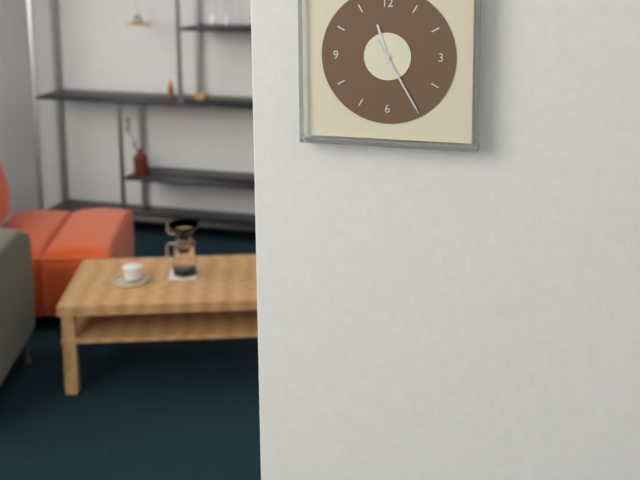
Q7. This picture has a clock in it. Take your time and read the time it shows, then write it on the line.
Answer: 11:25:25
